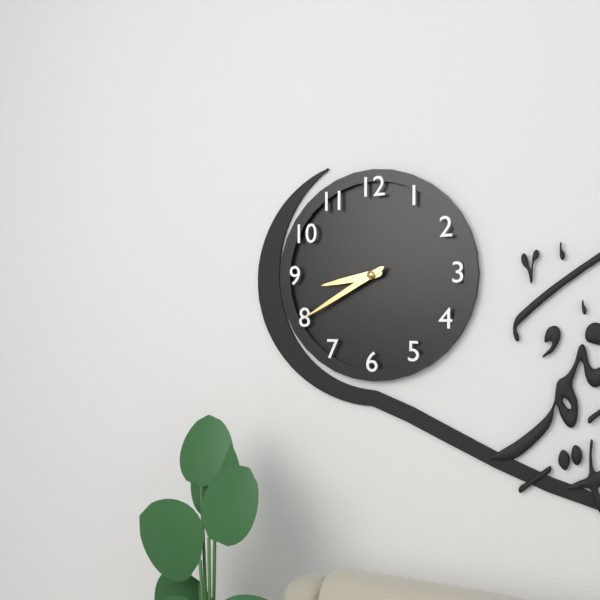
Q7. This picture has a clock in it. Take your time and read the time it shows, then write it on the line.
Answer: 8:40
